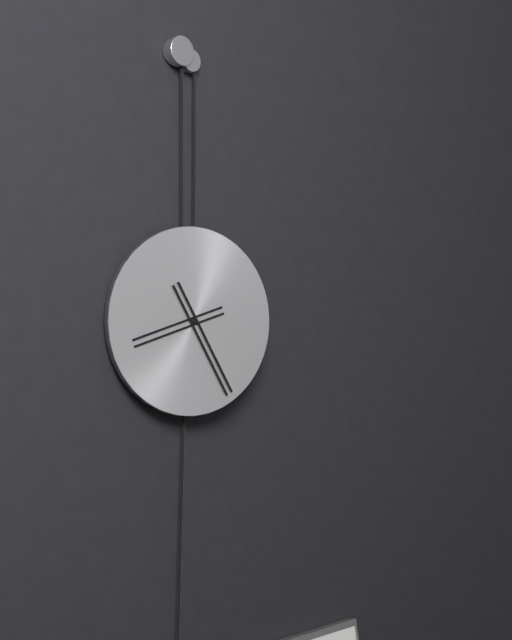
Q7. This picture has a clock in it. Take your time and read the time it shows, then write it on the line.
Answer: 8:25
